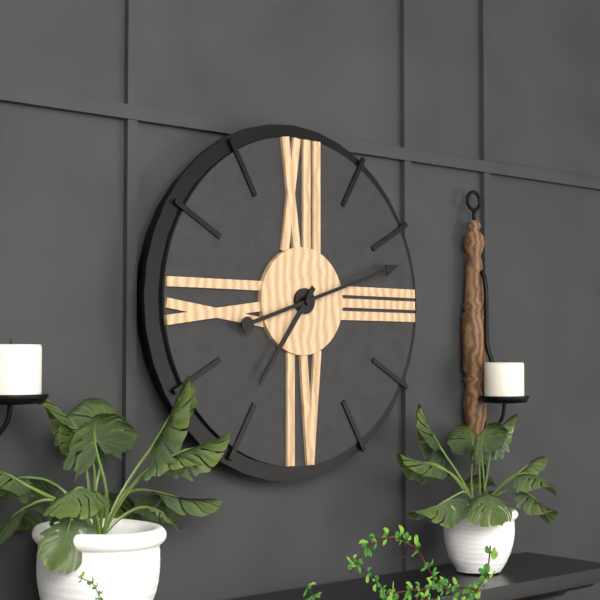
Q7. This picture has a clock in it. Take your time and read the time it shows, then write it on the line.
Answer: 7:12
